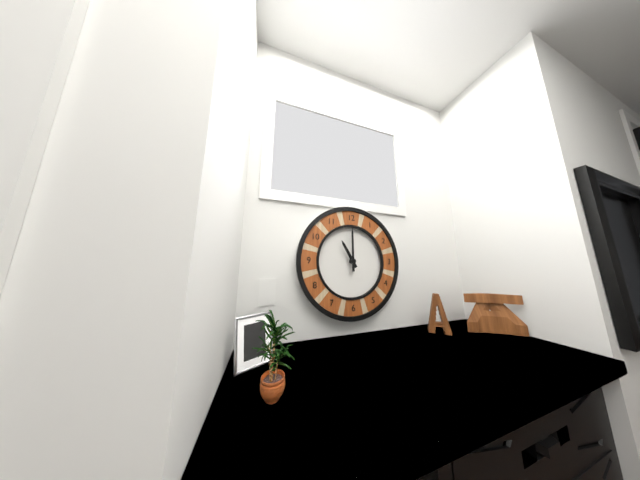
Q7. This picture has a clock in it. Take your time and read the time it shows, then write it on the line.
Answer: 11:00
